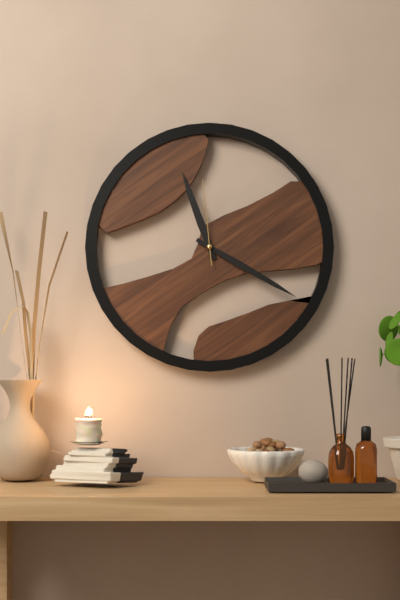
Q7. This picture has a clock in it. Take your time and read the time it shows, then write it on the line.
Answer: 11:20:59
